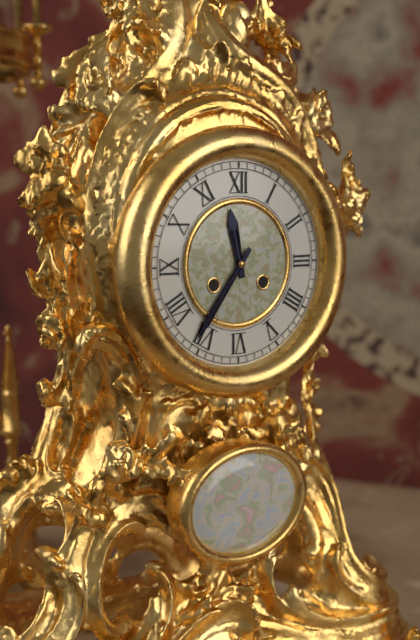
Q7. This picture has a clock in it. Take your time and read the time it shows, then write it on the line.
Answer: 11:36
